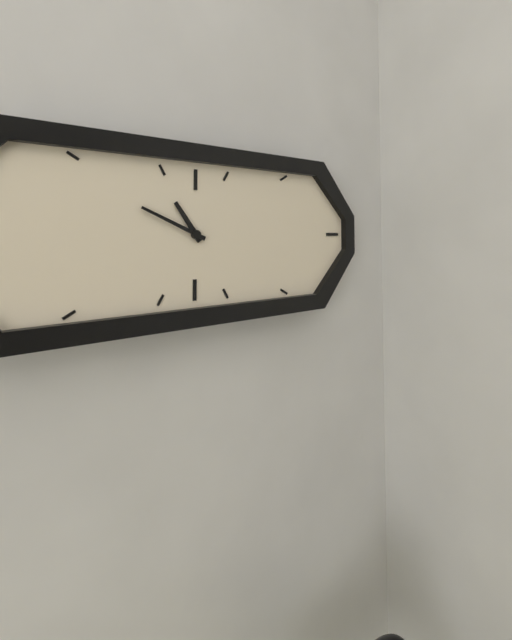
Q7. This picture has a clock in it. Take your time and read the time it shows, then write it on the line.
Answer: 10:49
